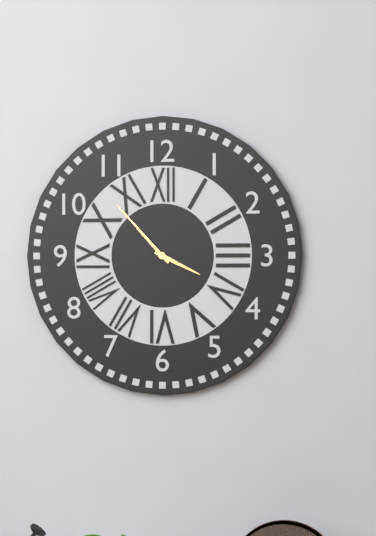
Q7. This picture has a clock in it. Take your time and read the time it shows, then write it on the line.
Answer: 3:53
